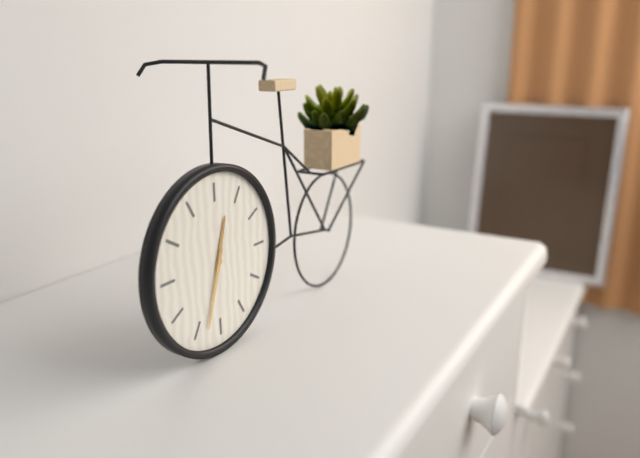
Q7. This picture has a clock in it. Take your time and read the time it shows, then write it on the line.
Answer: 12:33
